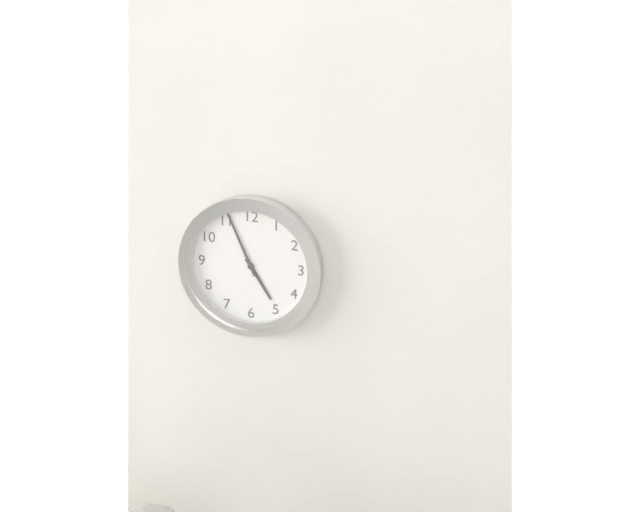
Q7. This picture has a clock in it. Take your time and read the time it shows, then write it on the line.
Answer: 4:56
